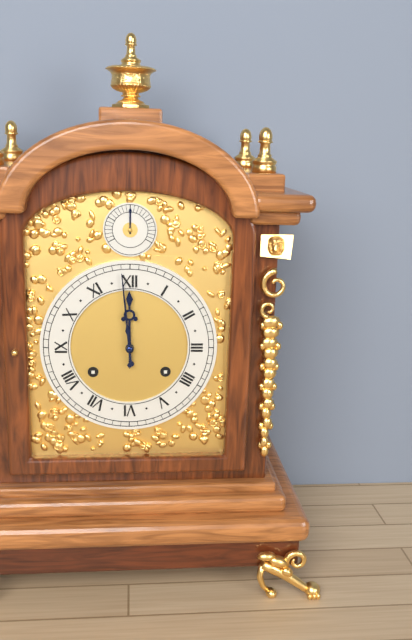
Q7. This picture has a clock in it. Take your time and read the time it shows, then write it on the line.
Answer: 11:59
